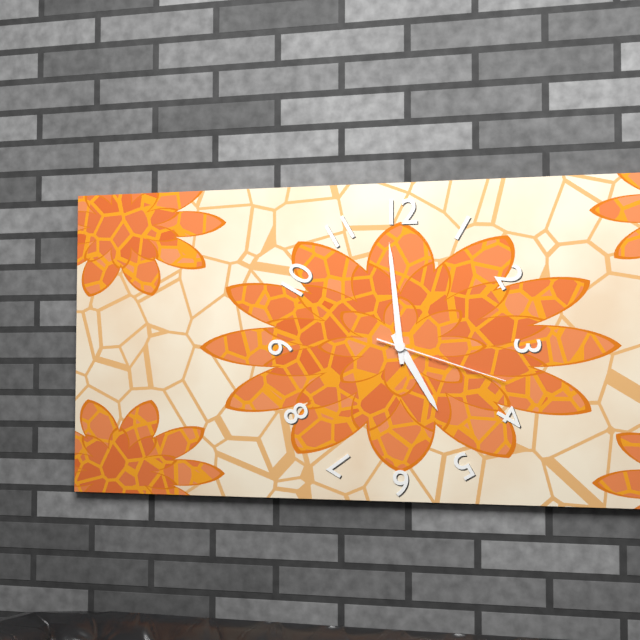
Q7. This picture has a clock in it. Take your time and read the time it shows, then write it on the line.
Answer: 4:59:18
